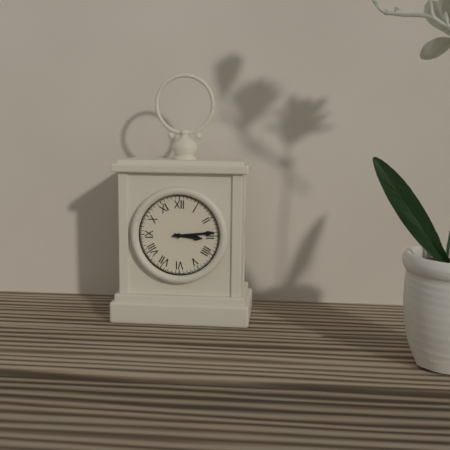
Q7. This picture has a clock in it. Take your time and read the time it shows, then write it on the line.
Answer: 3:14
